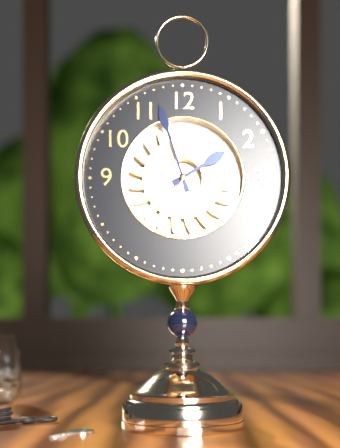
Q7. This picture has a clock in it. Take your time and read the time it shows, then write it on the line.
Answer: 1:57
